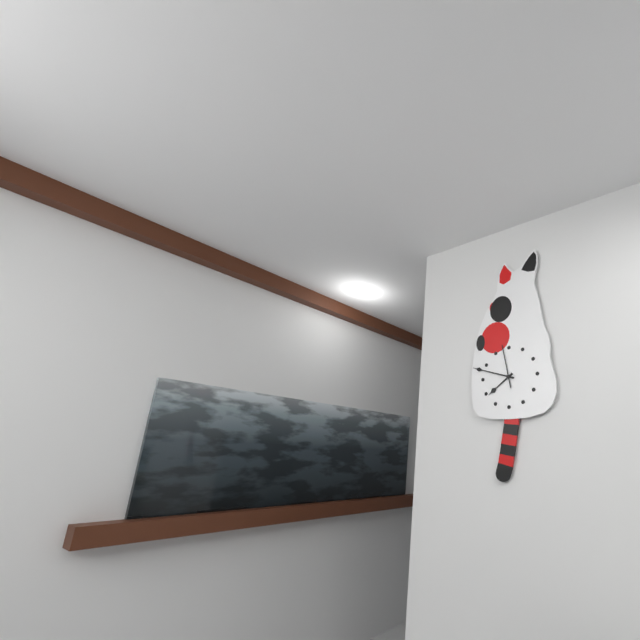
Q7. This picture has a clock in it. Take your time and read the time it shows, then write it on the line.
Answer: 7:48
